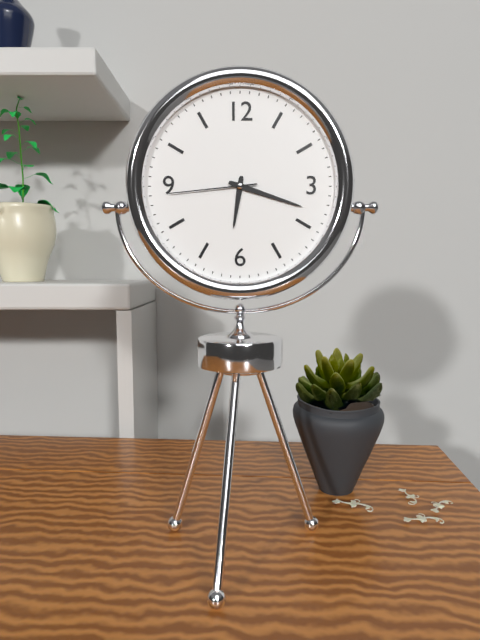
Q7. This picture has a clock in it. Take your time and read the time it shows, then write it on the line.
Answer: 6:18:44
